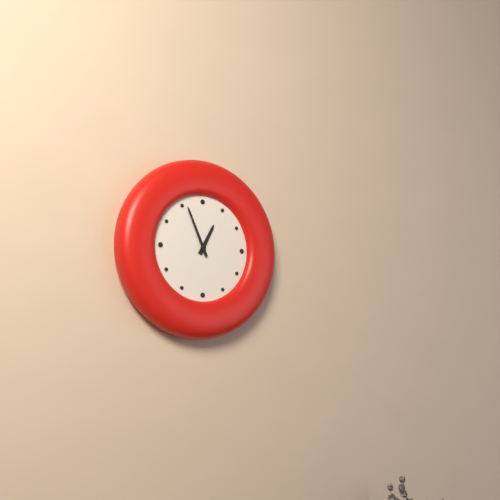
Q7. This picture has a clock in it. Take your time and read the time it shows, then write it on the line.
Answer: 12:56
